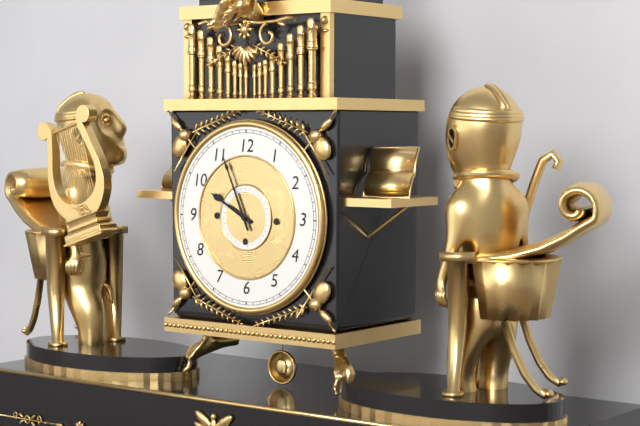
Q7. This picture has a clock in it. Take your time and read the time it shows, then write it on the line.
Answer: 9:56
